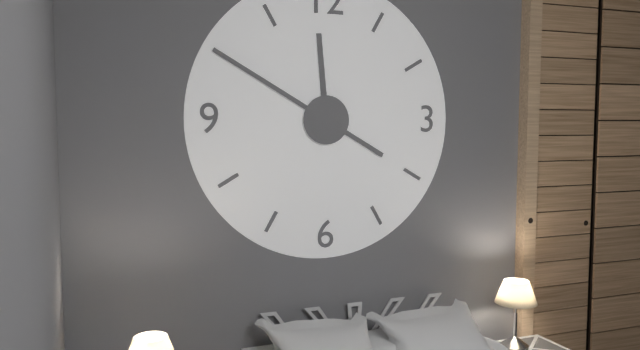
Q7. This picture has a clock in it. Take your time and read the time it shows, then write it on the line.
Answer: 11:50
